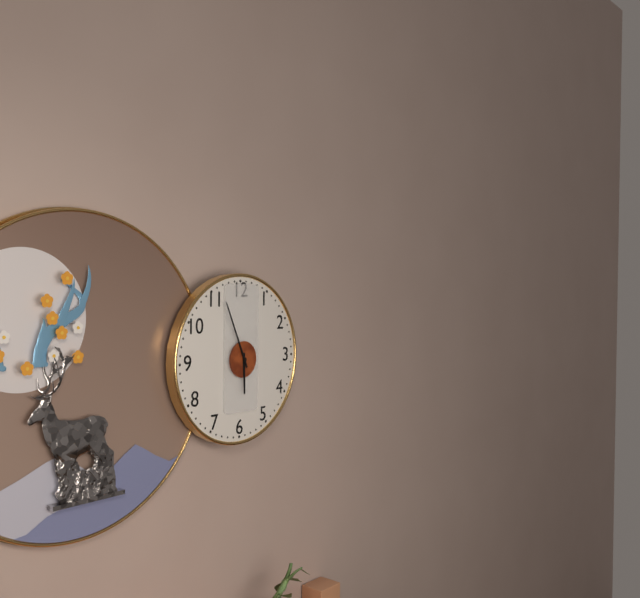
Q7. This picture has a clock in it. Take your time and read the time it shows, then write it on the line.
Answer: 5:56
